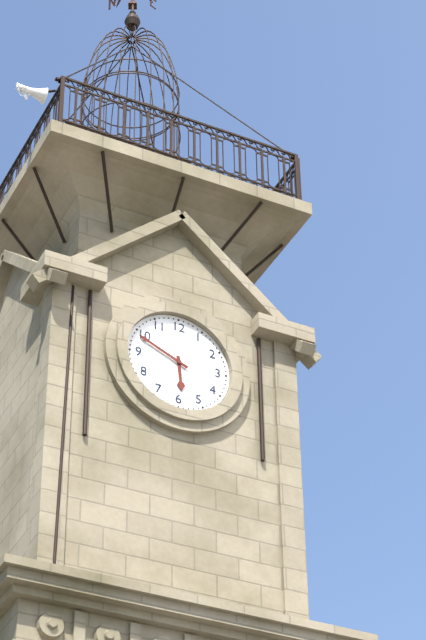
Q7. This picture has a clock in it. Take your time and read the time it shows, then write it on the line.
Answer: 5:49
